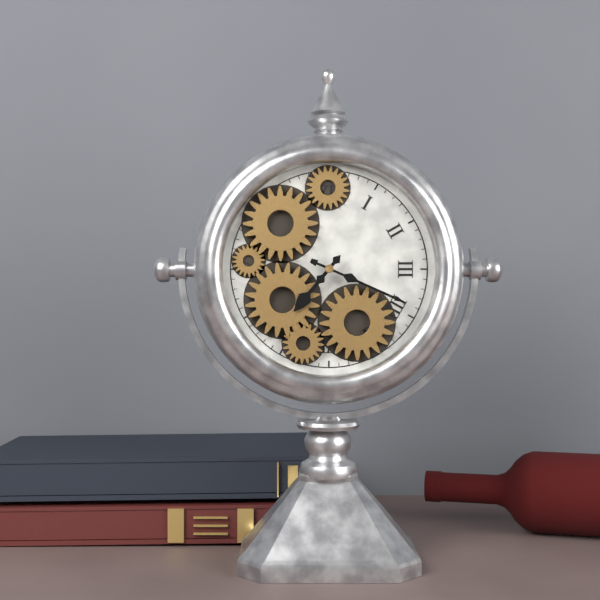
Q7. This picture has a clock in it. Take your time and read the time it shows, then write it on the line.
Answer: 7:19
